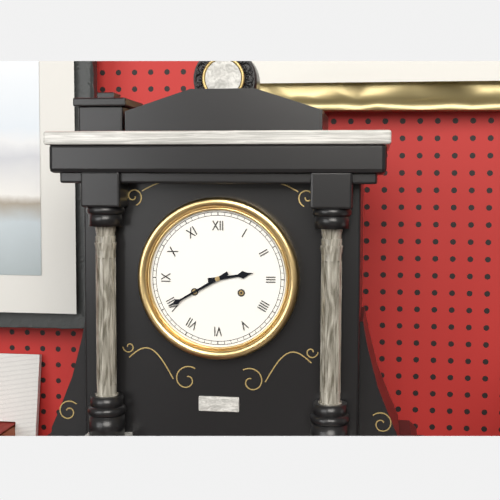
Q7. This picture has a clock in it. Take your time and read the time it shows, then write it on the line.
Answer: 2:40
